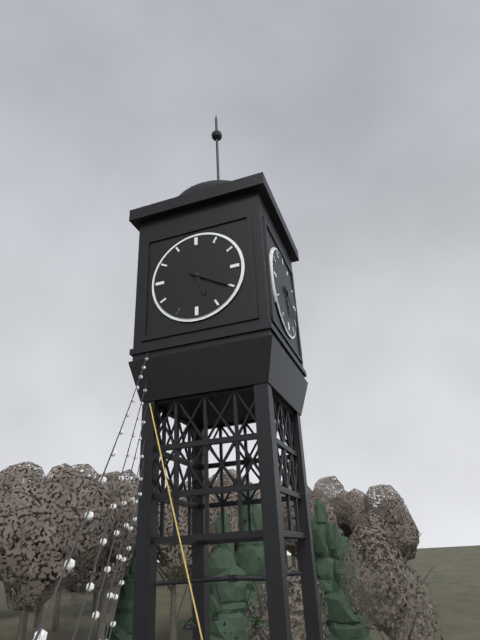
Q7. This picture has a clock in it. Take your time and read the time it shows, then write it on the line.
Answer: 5:20
